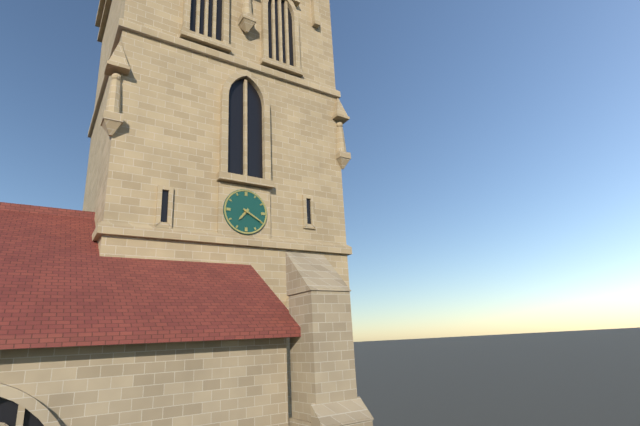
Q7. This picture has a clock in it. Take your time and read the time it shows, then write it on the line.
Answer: 7:20
